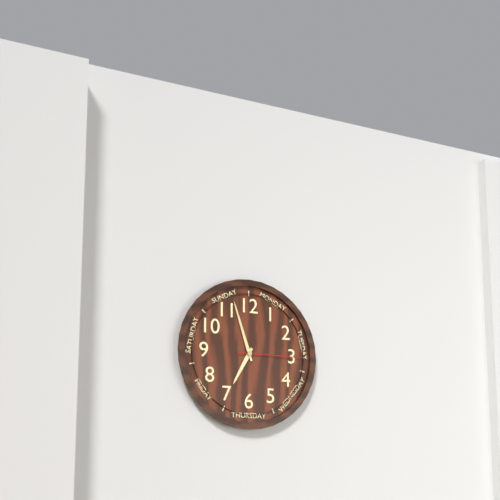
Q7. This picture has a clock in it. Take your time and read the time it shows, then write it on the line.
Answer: 6:57:15
